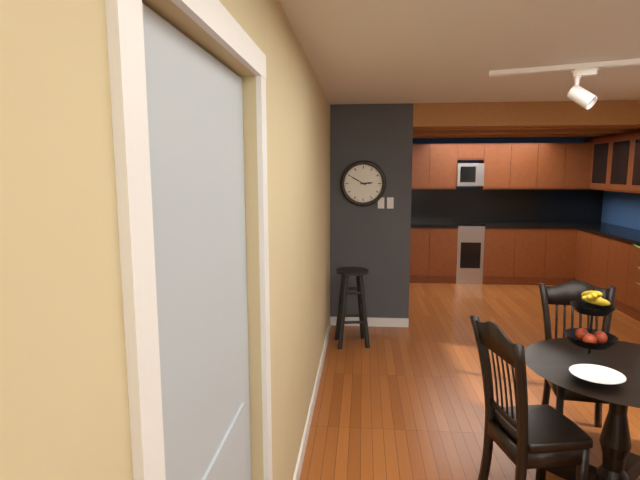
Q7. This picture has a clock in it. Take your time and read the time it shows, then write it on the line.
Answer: 2:50
